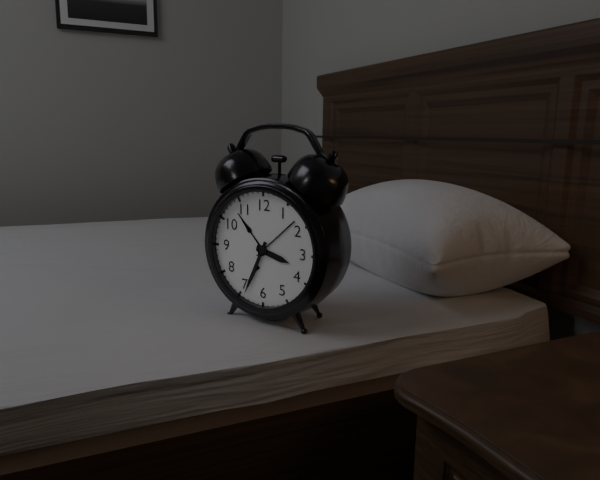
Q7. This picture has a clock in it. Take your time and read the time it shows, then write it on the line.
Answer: 3:34
